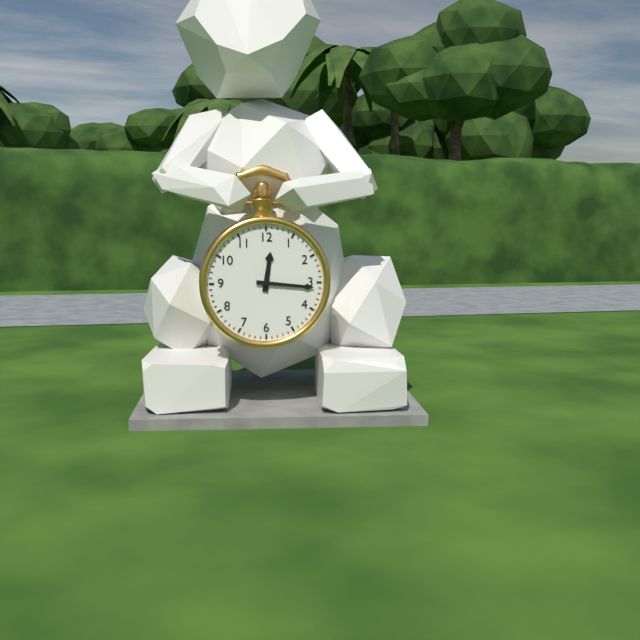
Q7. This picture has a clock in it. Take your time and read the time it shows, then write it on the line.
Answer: 12:16
